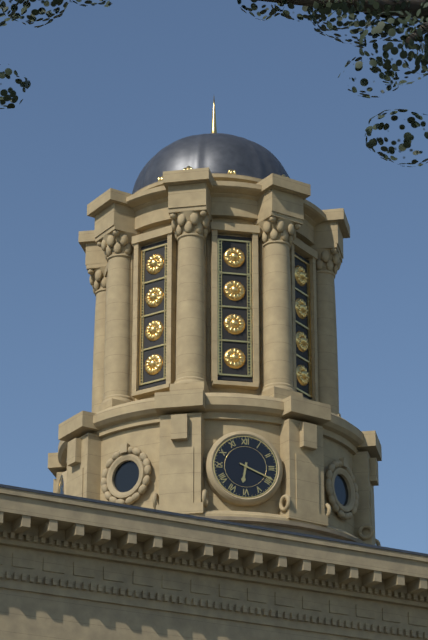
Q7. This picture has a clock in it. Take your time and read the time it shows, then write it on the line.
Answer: 6:19
